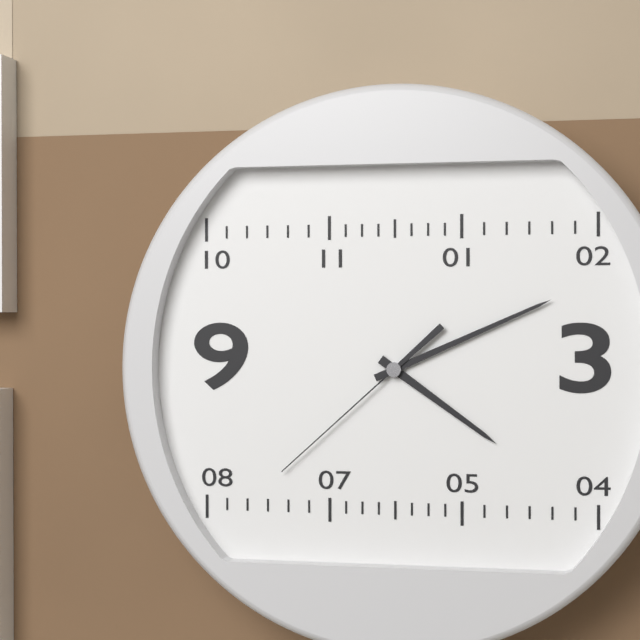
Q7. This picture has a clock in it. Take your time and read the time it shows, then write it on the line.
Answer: 4:11:38
